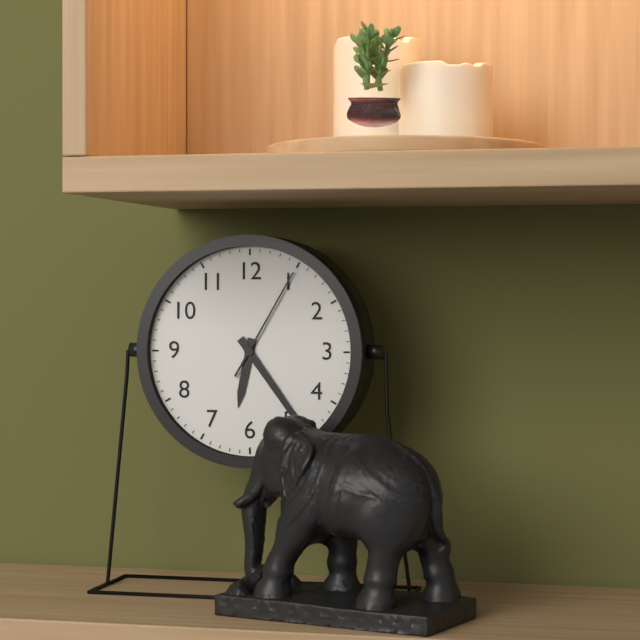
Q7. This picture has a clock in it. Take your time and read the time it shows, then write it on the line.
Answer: 6:24:05
